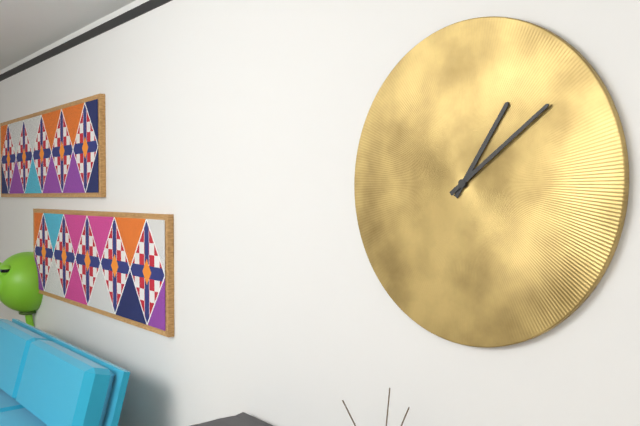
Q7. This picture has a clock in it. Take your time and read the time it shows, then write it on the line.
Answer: 1:09
